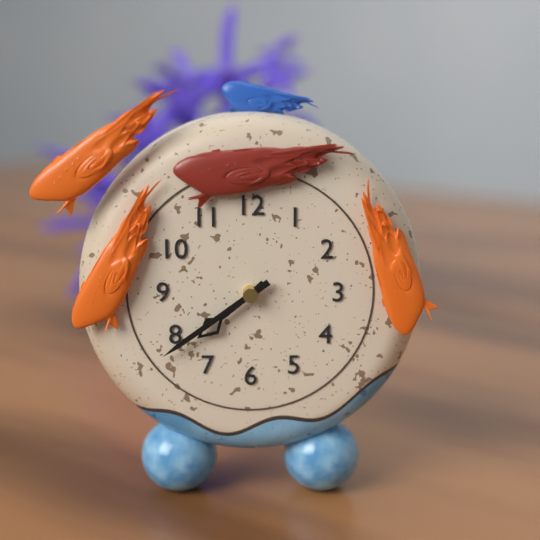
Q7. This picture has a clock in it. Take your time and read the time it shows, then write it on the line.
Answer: 7:39
